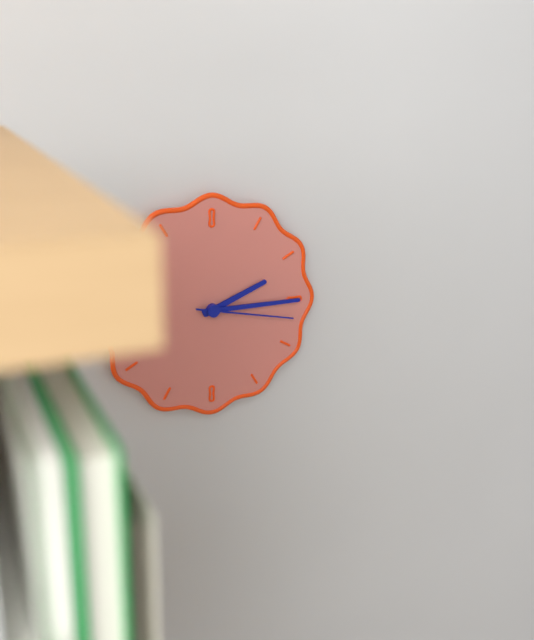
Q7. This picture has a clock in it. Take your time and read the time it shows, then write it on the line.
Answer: 2:15:17
